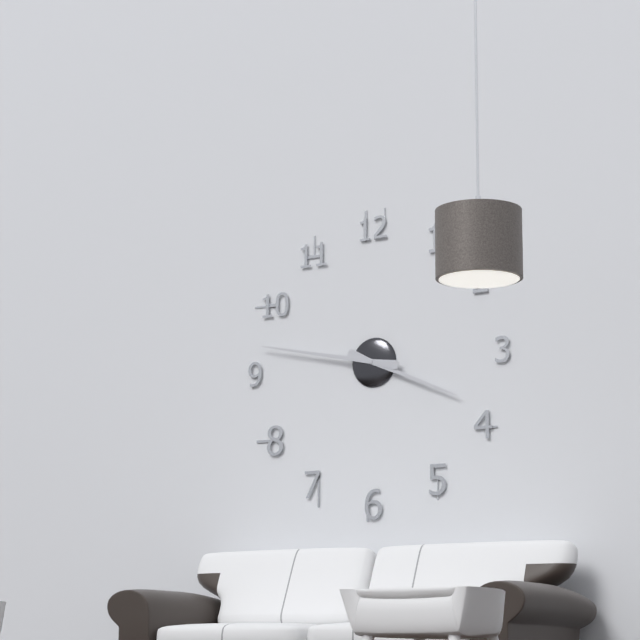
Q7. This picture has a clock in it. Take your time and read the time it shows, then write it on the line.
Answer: 3:47
